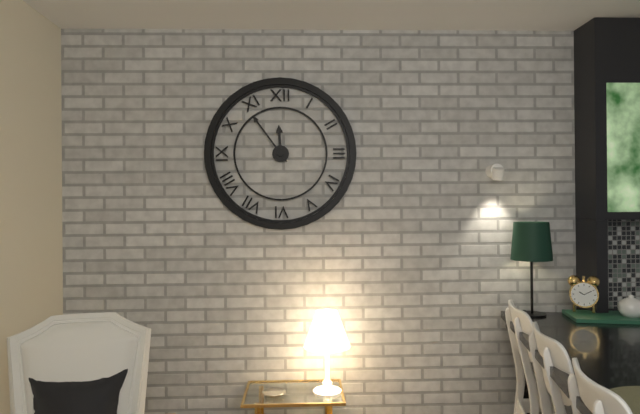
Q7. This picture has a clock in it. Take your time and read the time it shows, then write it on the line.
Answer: 11:54
